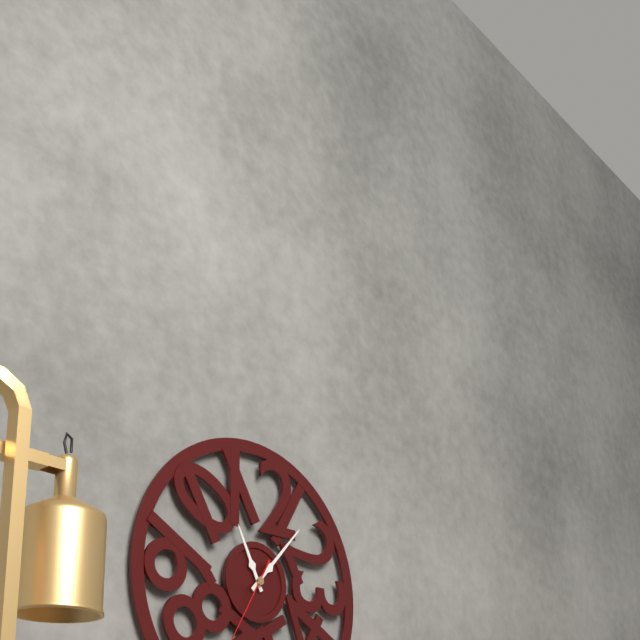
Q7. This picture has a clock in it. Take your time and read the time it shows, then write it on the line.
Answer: 11:07
